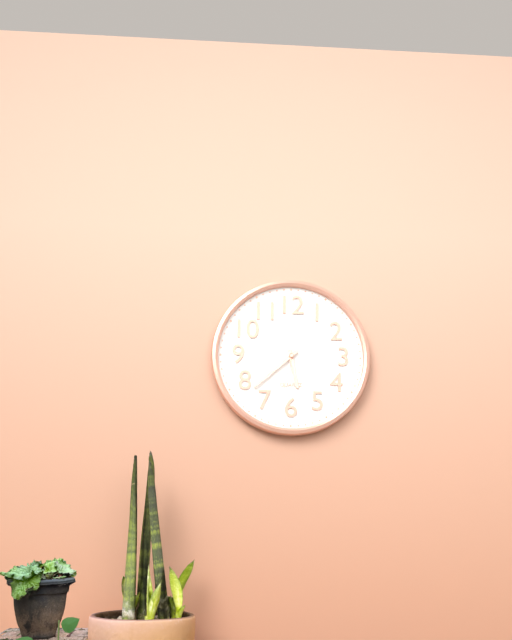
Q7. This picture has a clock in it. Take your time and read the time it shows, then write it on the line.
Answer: 5:38:32
